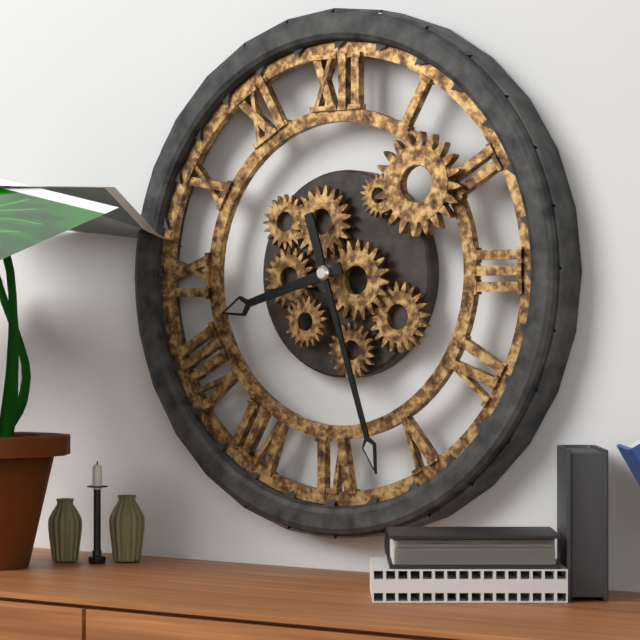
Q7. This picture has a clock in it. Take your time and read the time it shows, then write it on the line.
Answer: 8:27
